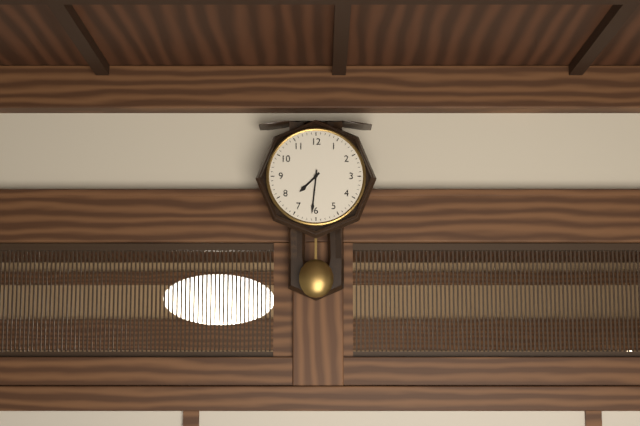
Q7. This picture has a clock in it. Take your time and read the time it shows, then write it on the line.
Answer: 7:31
